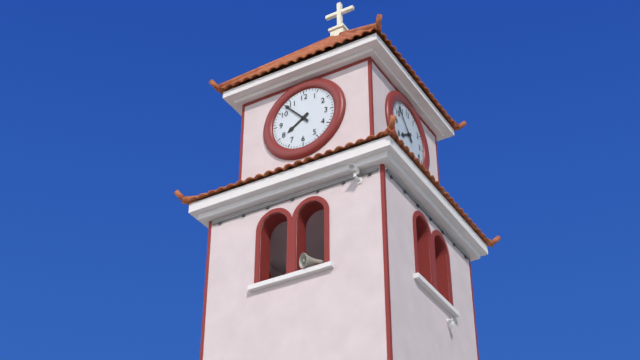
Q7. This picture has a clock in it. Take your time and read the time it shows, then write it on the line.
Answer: 7:53
